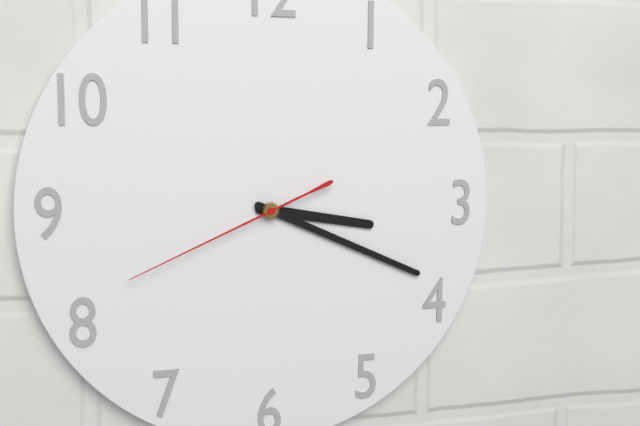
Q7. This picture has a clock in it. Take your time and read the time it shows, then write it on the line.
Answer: 3:19:41
